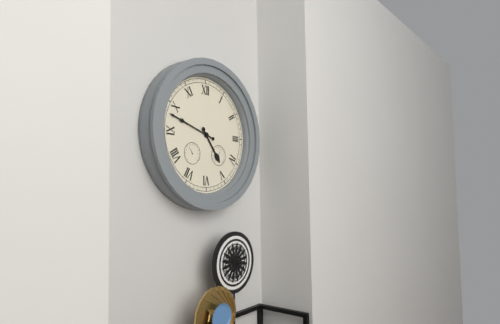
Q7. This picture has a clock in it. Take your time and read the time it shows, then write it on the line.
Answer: 4:48
